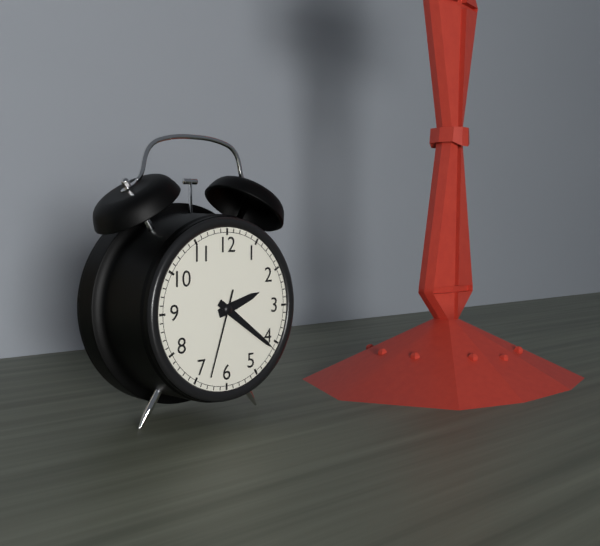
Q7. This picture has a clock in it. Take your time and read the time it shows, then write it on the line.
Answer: 2:21:33
